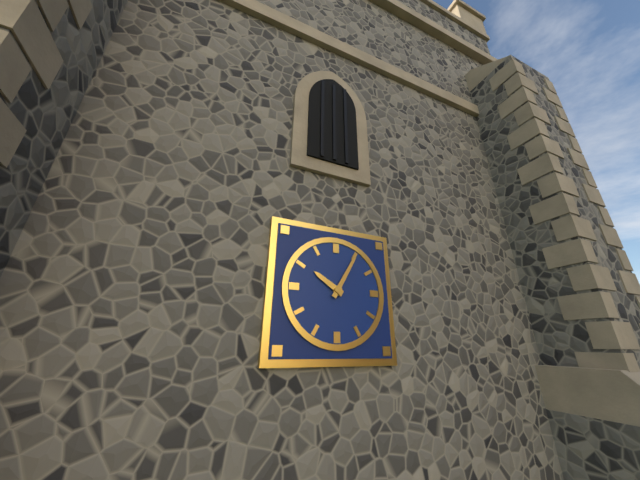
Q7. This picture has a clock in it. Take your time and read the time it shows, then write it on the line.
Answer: 10:05
